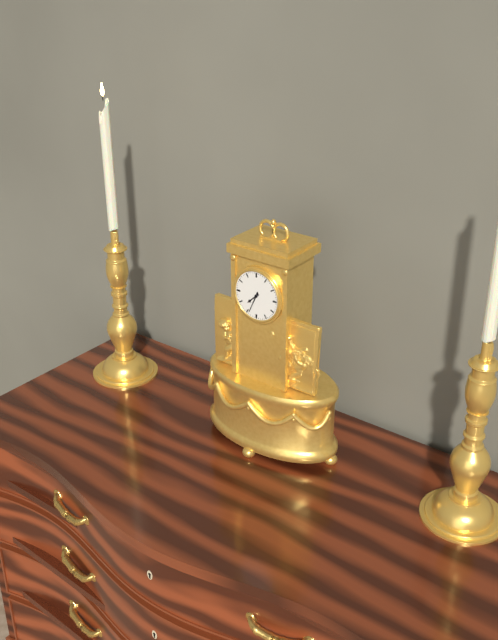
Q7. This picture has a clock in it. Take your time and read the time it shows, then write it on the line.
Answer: 7:34
